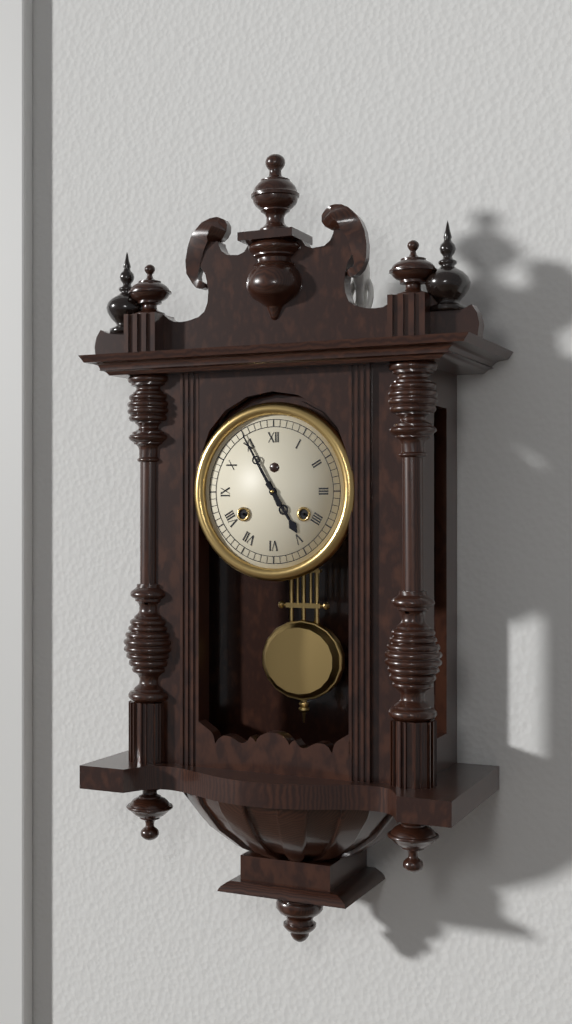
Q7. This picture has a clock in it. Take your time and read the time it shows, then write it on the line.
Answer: 4:55
